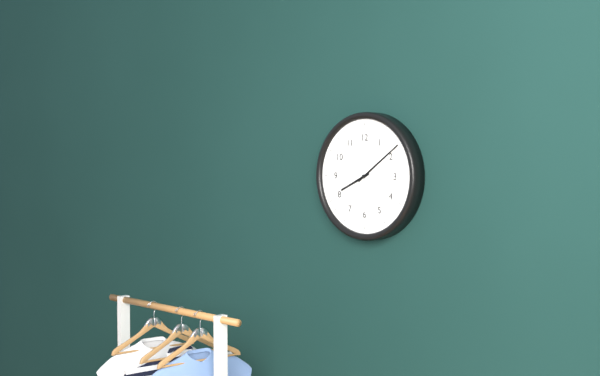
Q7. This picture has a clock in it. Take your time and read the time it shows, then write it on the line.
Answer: 8:09
